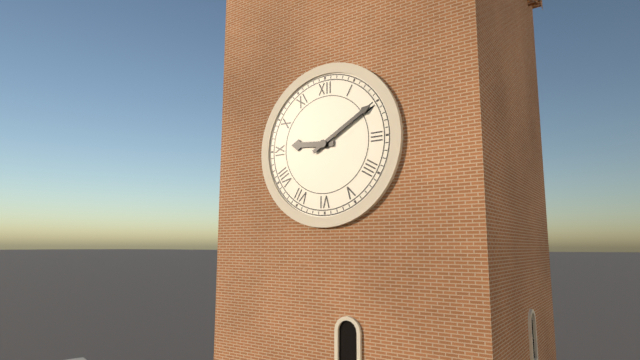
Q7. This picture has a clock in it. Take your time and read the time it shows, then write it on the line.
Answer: 9:10
